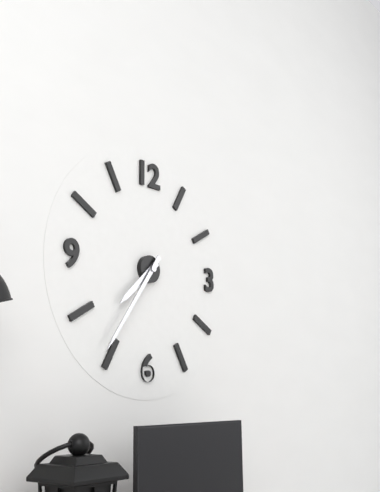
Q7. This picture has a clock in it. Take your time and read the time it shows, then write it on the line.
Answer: 7:36
